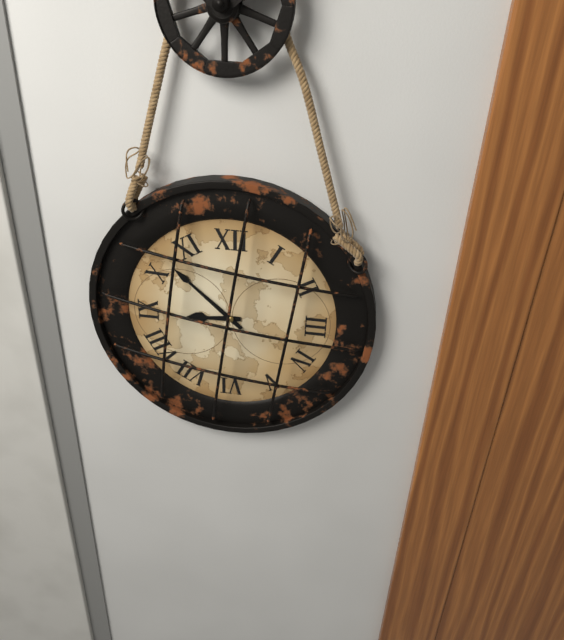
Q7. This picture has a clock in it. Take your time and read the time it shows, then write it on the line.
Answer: 8:52
